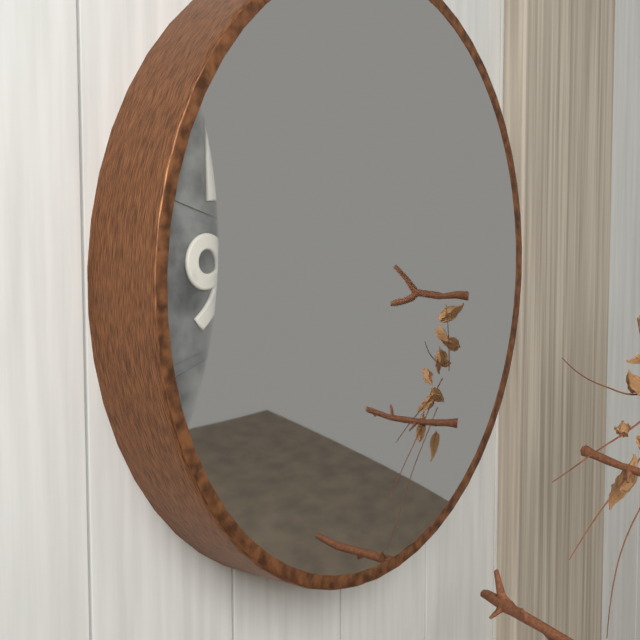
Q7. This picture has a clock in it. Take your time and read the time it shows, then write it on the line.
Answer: 6:25
